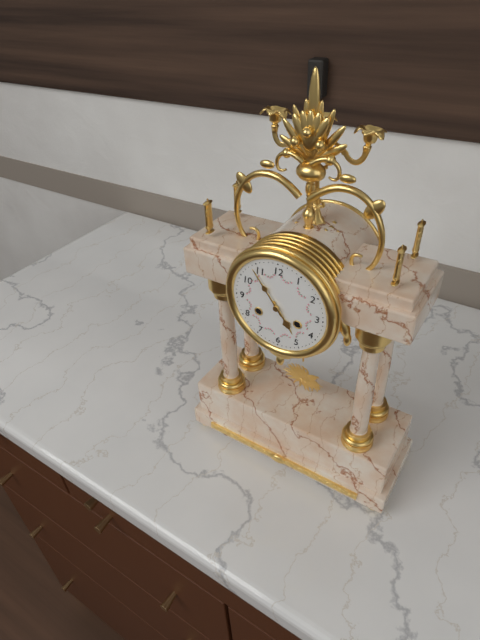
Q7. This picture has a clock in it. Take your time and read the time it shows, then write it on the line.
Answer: 4:54
